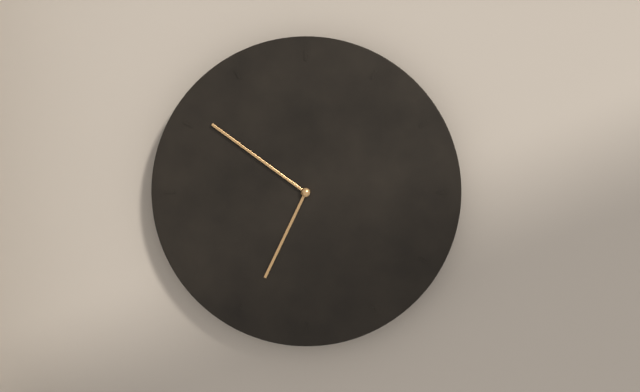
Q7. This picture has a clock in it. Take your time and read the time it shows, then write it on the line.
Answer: 6:51
